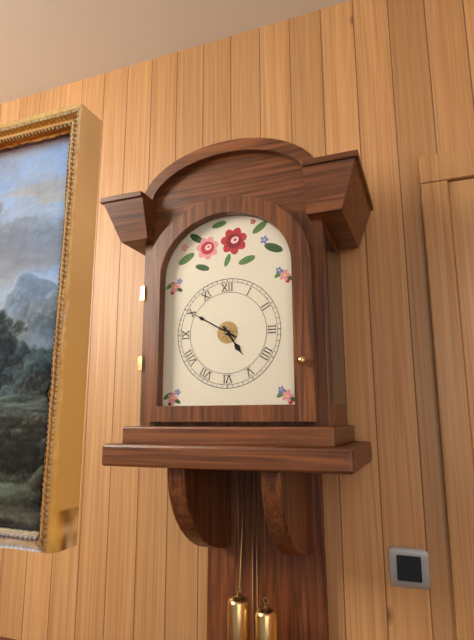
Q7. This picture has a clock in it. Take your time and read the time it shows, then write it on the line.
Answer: 4:50
